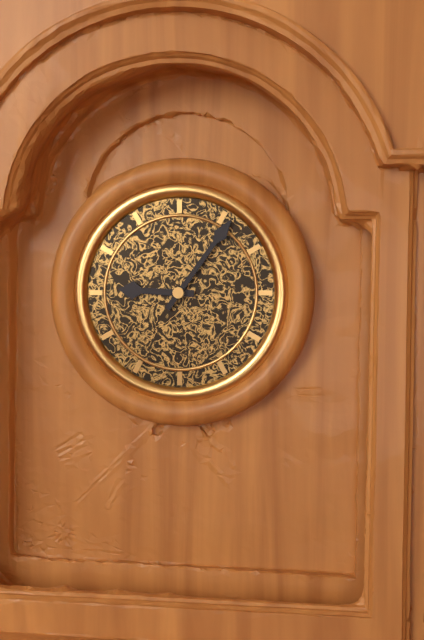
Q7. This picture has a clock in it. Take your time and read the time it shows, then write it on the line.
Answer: 9:06
